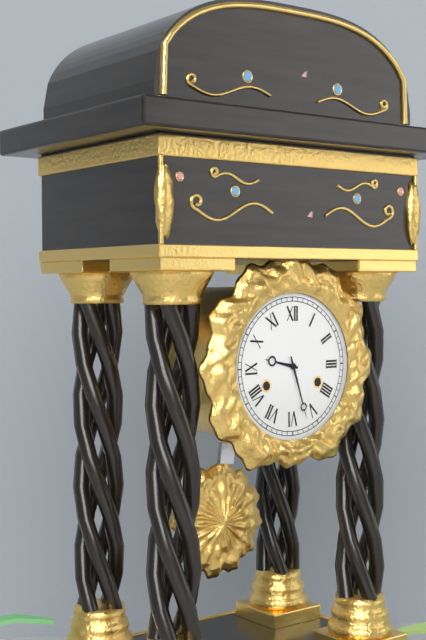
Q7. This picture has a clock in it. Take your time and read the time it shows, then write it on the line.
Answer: 9:27
